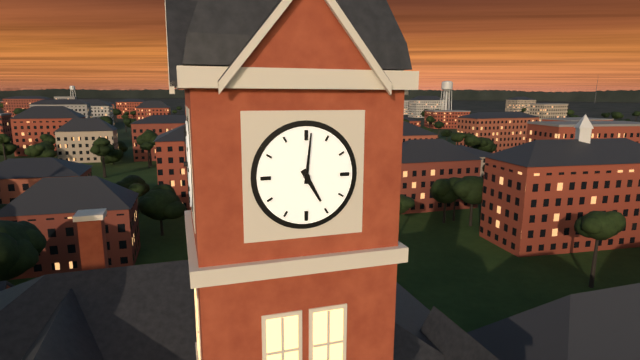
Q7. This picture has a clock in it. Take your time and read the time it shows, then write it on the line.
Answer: 5:01
